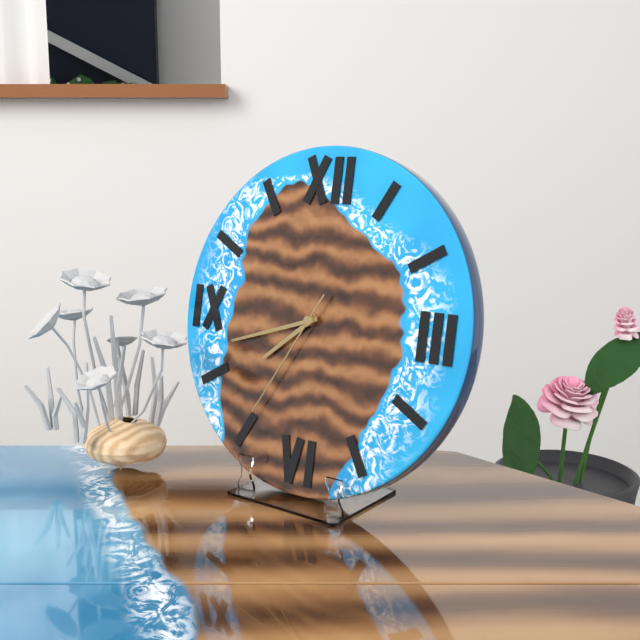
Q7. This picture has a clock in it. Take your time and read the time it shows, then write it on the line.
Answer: 7:42:35
